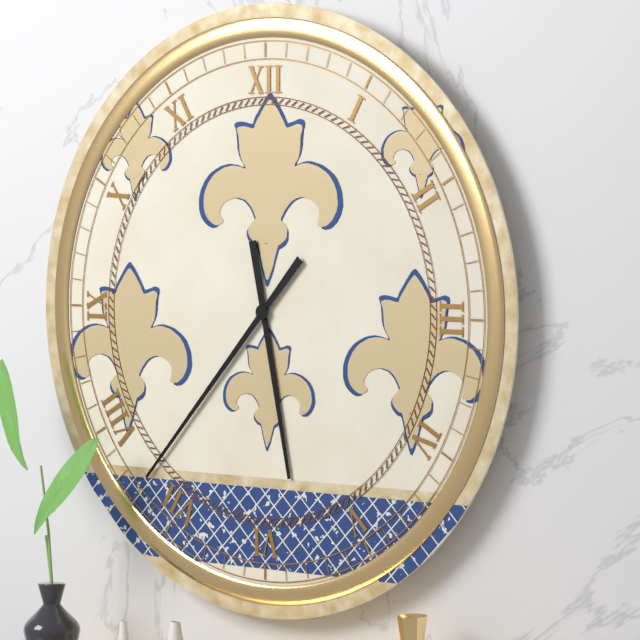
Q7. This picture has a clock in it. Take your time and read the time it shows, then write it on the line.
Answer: 5:37
